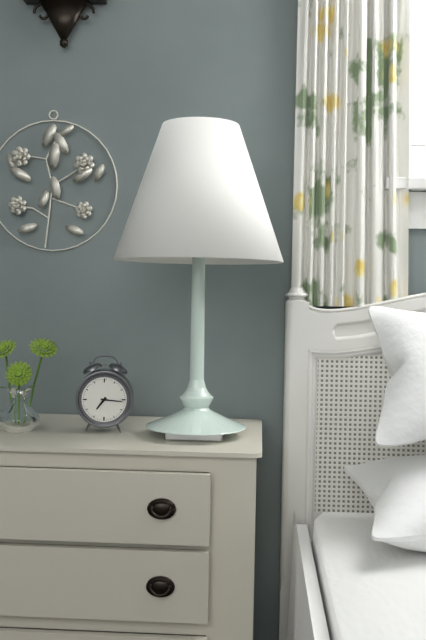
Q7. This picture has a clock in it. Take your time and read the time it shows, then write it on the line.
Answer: 7:16
